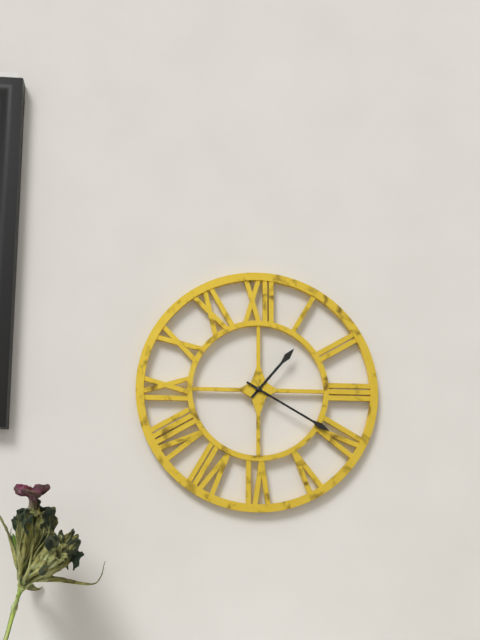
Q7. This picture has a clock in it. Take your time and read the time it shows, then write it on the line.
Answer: 1:20
